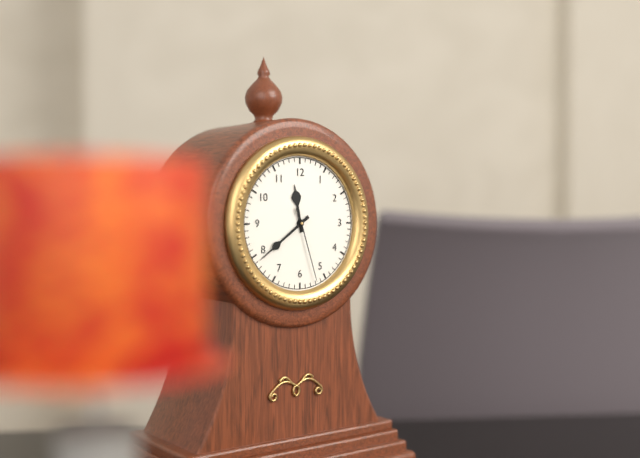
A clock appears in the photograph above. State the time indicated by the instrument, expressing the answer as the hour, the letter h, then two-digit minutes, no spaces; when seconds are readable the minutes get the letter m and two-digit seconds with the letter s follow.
11h39m27s
